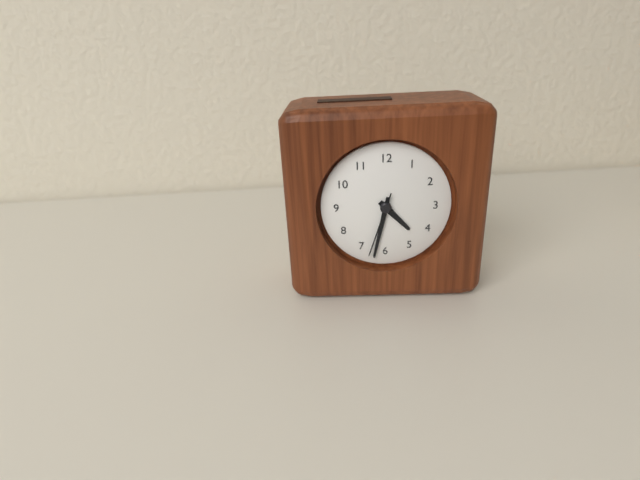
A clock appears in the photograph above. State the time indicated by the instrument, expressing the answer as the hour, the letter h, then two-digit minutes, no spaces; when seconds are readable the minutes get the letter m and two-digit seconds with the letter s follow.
4h32m33s
